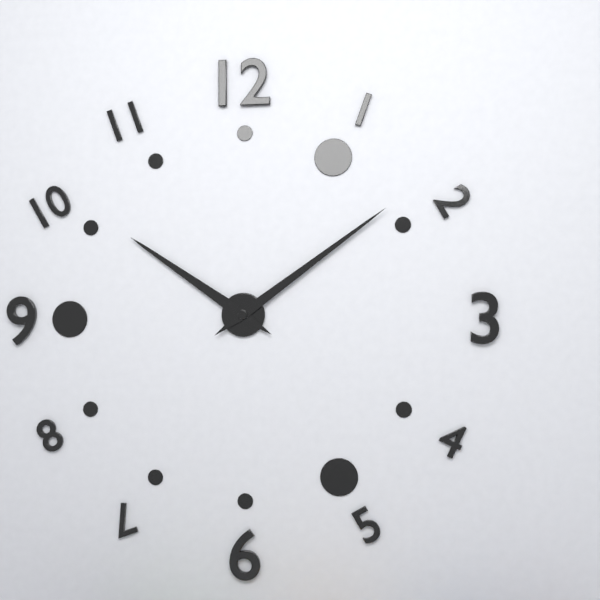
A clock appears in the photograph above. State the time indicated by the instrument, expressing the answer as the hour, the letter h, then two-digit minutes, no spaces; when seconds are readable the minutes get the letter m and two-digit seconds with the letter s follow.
10h09
